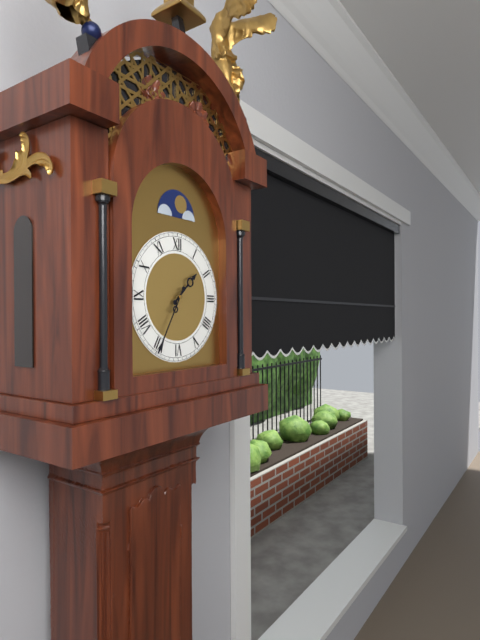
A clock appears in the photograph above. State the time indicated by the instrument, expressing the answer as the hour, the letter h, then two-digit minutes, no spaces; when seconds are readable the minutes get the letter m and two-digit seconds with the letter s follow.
1h35
